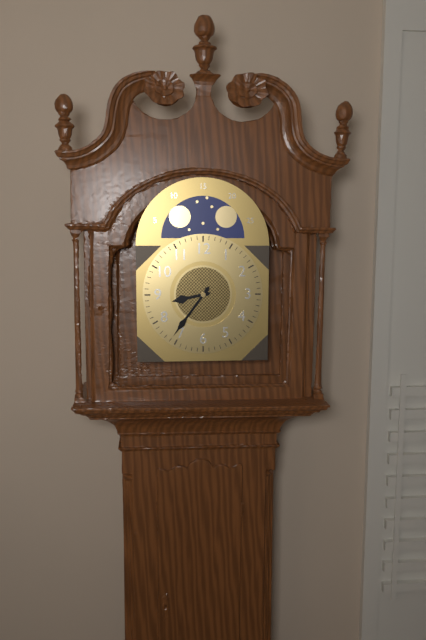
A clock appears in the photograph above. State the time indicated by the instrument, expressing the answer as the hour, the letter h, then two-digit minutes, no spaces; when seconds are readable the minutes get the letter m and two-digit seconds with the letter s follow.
8h36
